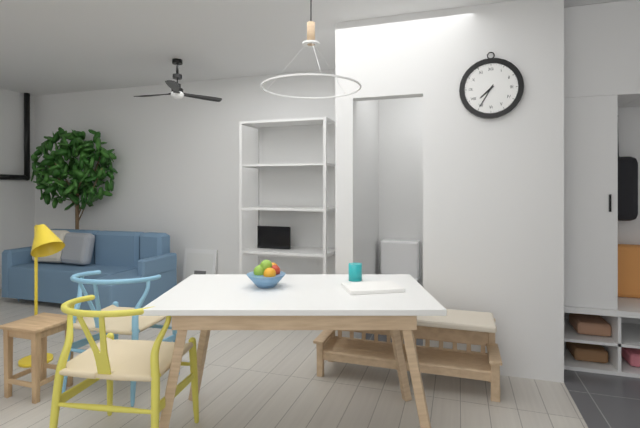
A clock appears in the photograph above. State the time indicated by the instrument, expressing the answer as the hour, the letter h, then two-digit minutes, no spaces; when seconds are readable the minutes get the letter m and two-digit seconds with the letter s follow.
7h35
